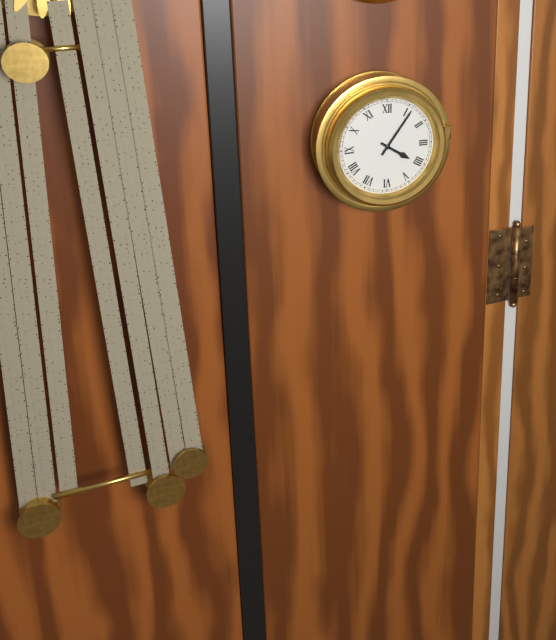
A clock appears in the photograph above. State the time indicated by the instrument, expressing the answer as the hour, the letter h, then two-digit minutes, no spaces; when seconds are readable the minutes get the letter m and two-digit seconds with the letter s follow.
4h06
